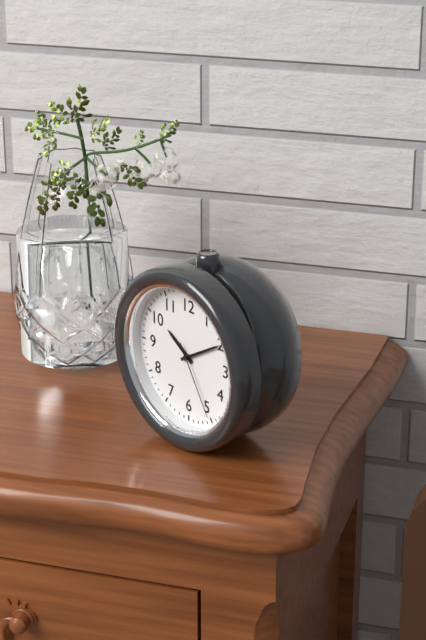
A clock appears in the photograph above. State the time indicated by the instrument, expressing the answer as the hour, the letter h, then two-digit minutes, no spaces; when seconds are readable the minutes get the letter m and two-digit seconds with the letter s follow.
10h10m25s
